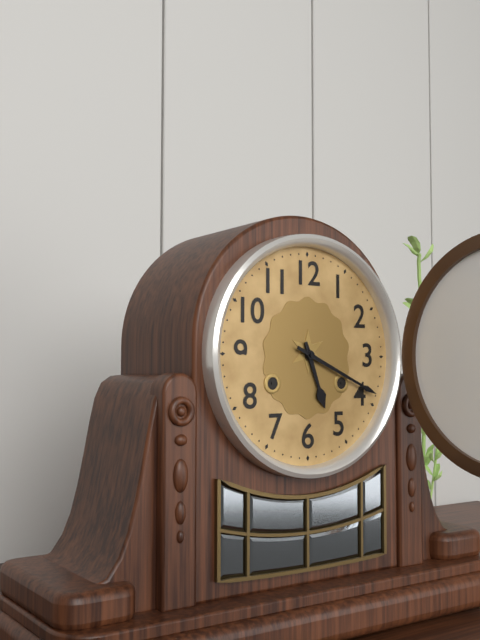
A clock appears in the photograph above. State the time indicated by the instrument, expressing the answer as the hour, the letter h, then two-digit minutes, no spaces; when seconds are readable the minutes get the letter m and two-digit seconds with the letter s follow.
5h19
